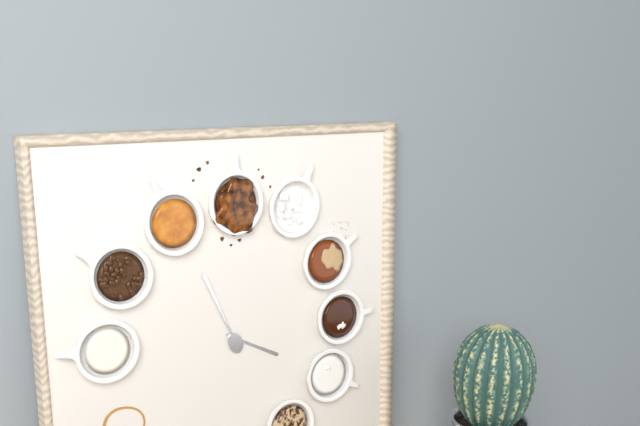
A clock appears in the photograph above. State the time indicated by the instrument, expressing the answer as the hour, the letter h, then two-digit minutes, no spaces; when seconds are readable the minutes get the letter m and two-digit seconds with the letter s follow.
3h56
